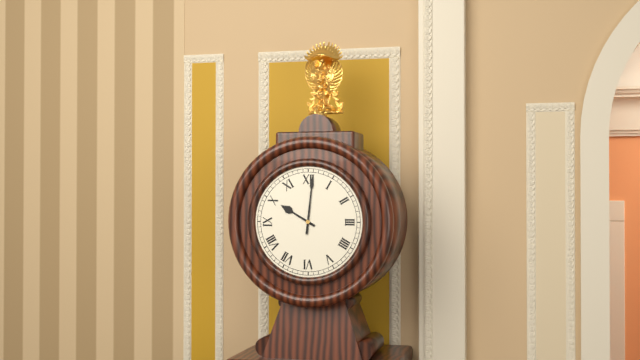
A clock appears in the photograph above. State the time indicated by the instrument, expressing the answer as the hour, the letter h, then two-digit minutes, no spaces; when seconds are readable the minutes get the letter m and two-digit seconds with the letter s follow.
10h01
